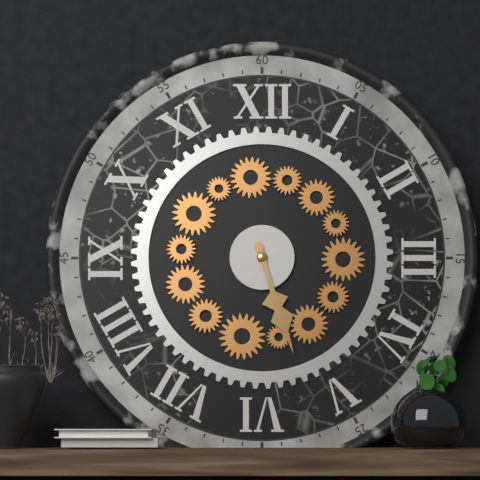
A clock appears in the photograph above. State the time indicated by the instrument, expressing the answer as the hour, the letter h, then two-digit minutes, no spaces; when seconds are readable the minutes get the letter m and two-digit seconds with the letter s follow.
5h27
